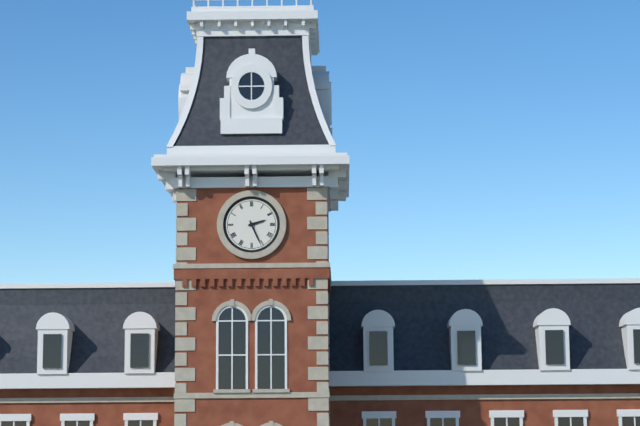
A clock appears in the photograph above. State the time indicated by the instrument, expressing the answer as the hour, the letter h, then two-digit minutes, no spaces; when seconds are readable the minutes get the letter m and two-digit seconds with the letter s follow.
2h26
